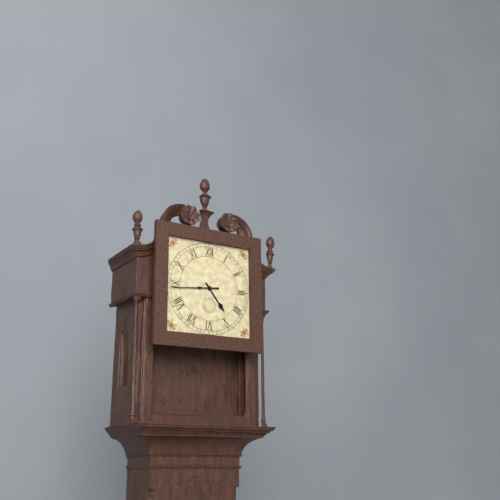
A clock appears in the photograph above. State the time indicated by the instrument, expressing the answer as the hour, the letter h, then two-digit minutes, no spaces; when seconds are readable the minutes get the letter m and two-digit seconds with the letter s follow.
4h44
